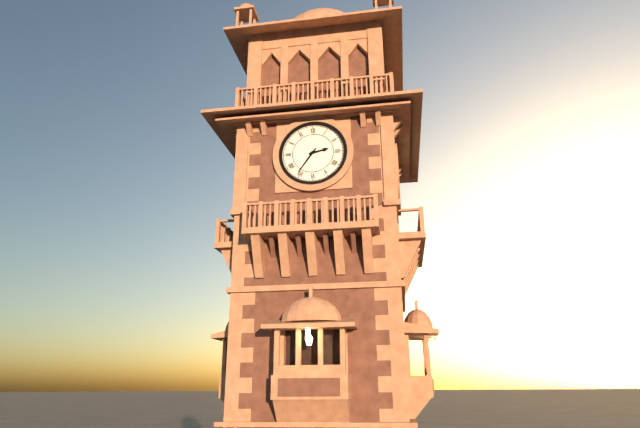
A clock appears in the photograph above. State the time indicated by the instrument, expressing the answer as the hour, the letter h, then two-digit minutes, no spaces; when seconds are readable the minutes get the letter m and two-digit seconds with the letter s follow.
2h36
